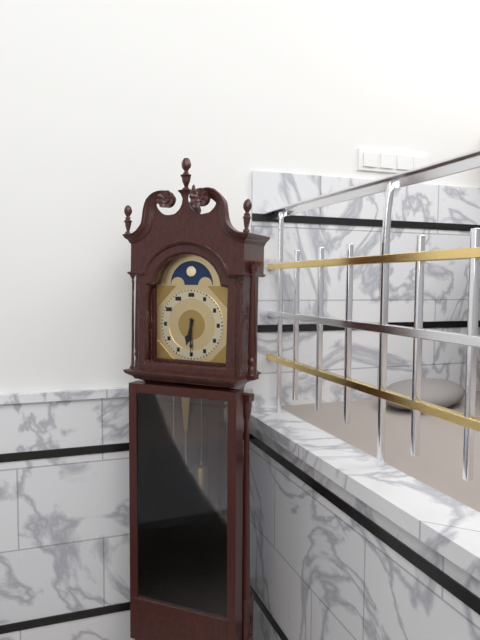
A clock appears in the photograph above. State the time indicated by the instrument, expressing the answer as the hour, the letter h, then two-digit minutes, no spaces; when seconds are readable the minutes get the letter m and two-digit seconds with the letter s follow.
6h30
